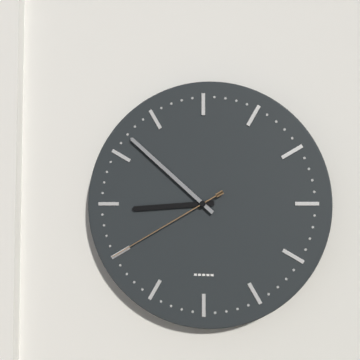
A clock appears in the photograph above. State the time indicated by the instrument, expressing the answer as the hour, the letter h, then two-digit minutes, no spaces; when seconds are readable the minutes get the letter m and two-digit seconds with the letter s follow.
8h52m40s
